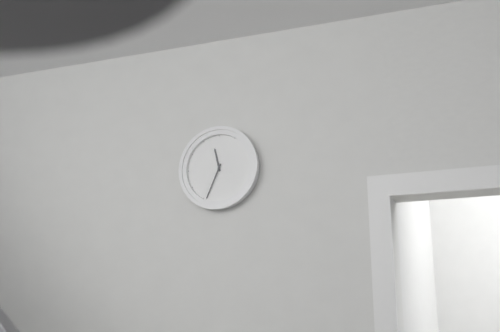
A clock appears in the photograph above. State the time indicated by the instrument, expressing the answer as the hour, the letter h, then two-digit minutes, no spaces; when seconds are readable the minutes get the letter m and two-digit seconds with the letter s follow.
11h34
